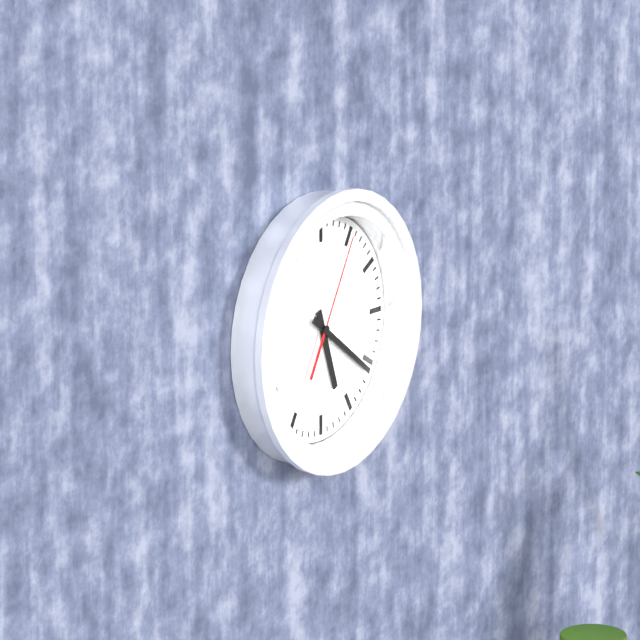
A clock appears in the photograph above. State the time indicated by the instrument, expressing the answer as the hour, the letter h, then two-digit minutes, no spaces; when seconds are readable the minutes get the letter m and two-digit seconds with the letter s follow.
5h21m05s
